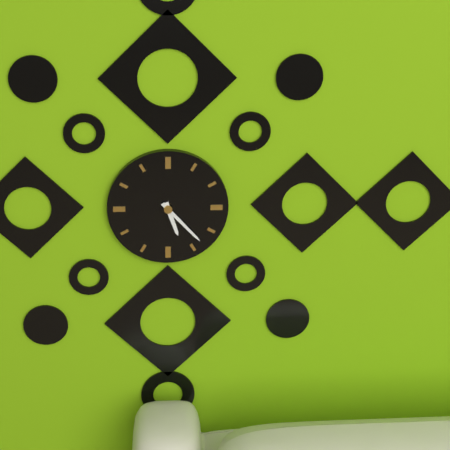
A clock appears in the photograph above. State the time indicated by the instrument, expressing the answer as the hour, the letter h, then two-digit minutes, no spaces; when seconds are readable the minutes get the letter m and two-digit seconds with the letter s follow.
5h23
